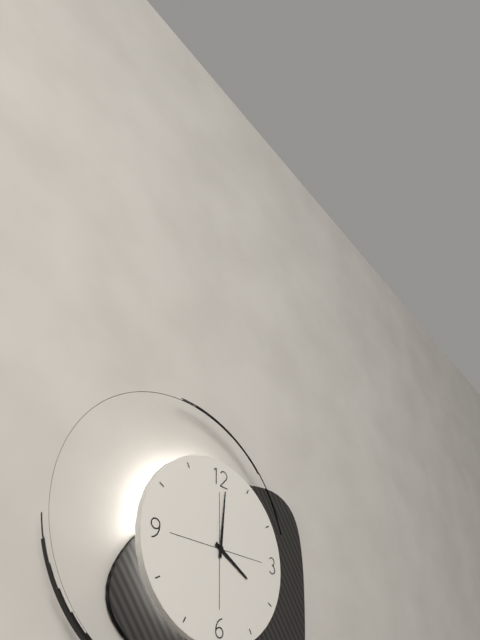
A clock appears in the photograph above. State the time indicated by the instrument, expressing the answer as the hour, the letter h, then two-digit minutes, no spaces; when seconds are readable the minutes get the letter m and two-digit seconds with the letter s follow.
4h01
